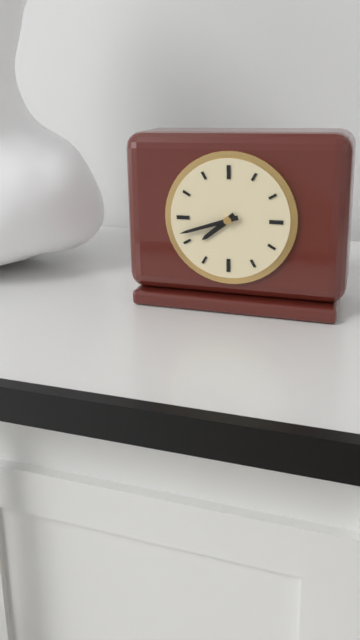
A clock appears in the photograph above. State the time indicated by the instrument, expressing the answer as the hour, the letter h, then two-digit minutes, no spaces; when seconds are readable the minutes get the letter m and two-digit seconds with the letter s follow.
7h42
